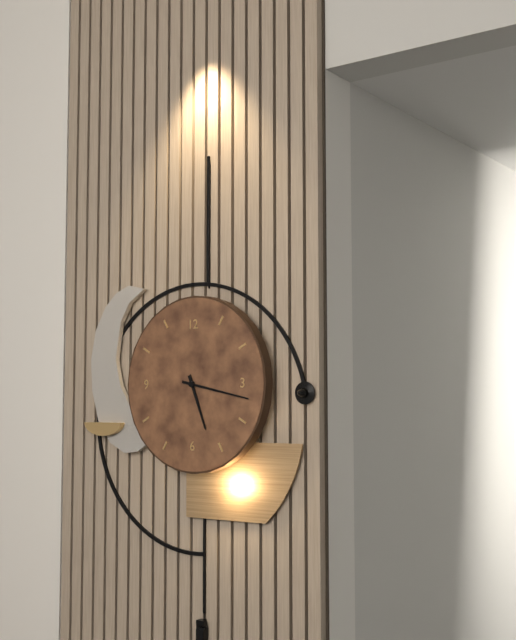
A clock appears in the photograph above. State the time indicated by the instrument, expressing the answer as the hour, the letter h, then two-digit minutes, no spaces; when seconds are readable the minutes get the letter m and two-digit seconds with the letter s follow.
5h17
